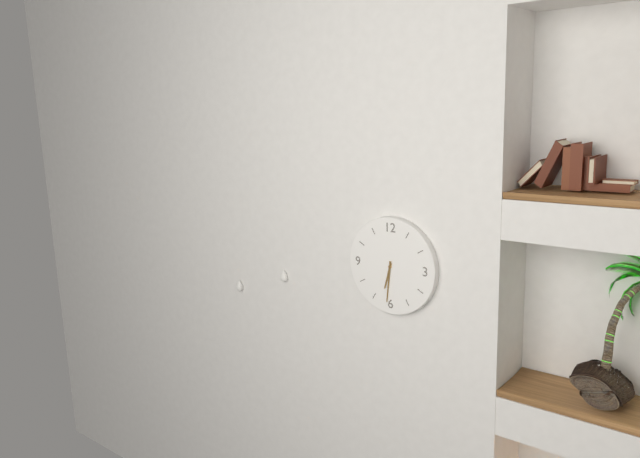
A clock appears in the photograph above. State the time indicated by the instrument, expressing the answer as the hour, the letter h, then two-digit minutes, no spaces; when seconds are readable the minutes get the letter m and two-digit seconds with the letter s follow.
6h31
